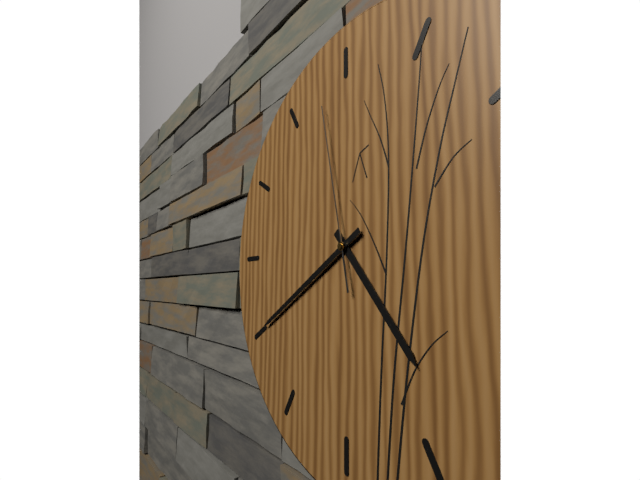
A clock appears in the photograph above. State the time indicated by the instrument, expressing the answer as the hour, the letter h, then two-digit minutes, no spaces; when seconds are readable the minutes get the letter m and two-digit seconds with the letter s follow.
4h40m58s
